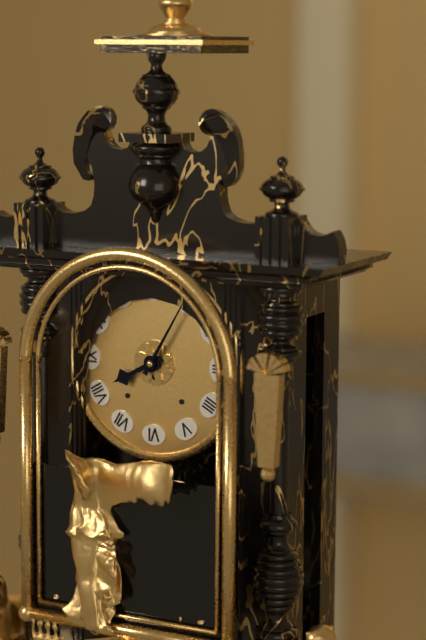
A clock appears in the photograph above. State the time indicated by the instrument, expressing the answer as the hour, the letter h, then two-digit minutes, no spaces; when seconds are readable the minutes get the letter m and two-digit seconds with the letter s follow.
8h05
